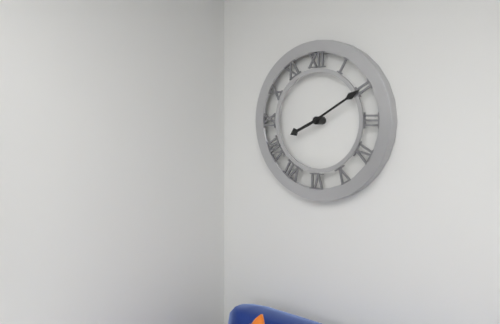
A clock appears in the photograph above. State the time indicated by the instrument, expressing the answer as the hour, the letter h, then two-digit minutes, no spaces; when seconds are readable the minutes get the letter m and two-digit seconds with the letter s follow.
8h10
